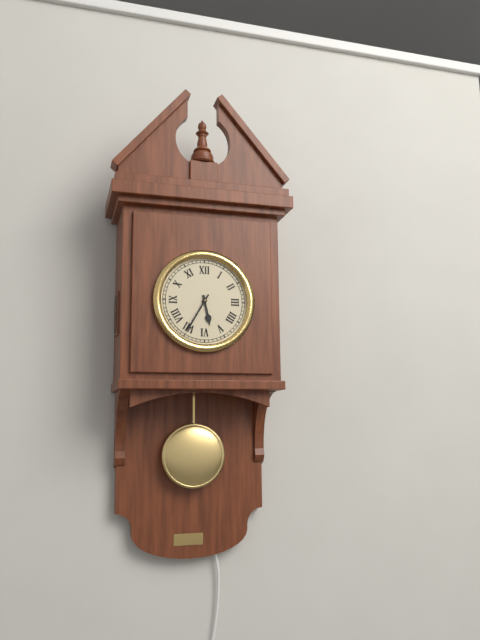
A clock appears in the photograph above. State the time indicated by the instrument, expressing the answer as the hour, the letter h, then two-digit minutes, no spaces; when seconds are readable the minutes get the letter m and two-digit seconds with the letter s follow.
5h35
